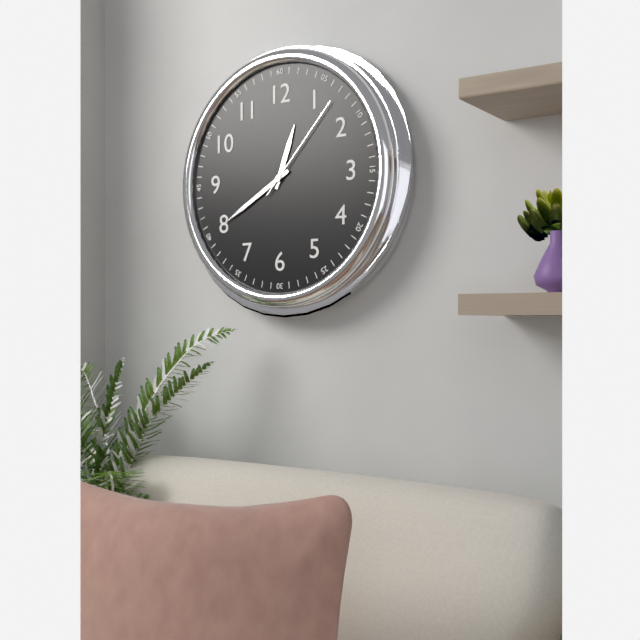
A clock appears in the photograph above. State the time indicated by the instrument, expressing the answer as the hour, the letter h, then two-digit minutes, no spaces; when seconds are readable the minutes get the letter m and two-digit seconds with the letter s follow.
12h40m07s
